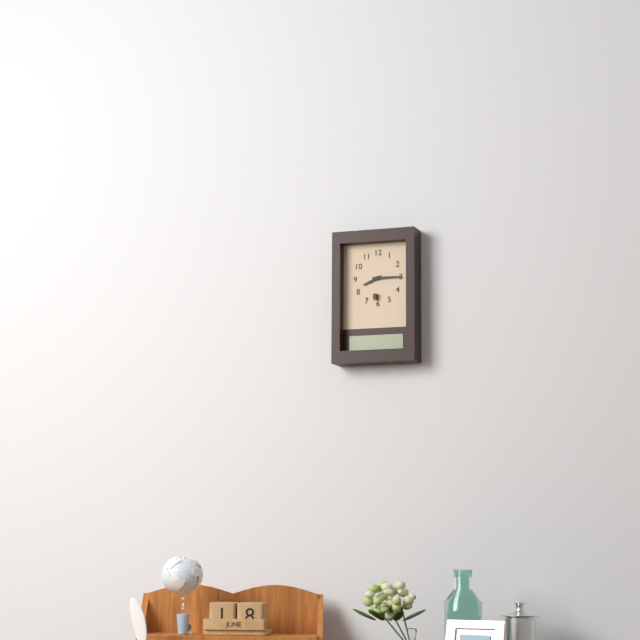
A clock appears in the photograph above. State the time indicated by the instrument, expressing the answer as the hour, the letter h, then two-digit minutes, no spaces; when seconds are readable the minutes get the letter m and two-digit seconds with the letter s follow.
8h15
